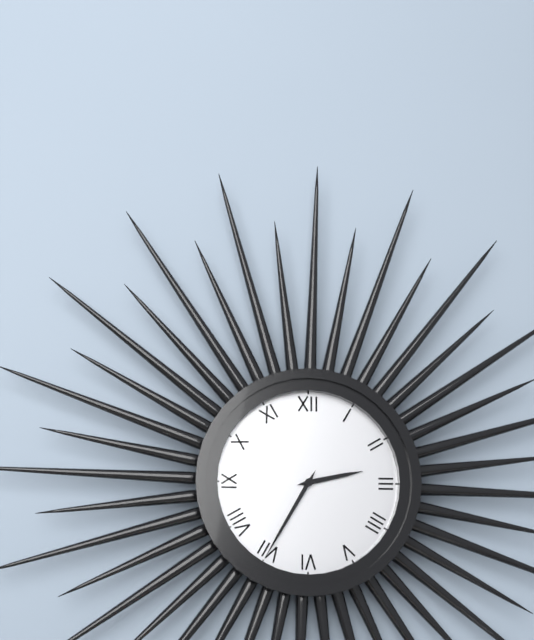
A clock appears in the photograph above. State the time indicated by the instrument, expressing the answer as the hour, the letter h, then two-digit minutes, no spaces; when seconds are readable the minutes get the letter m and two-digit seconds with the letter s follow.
2h35
